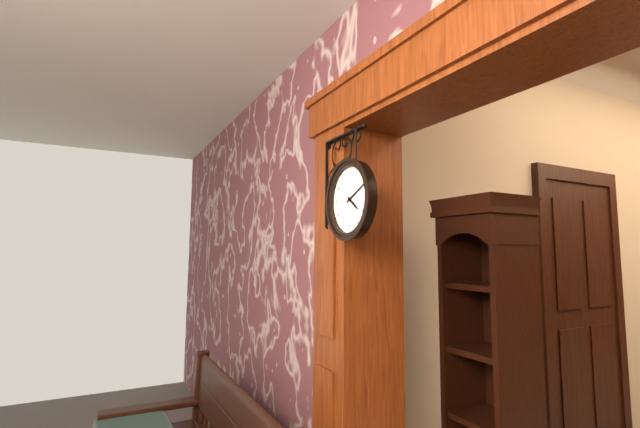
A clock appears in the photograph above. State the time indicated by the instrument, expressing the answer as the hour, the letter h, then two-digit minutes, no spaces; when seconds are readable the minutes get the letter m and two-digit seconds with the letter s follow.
4h11
